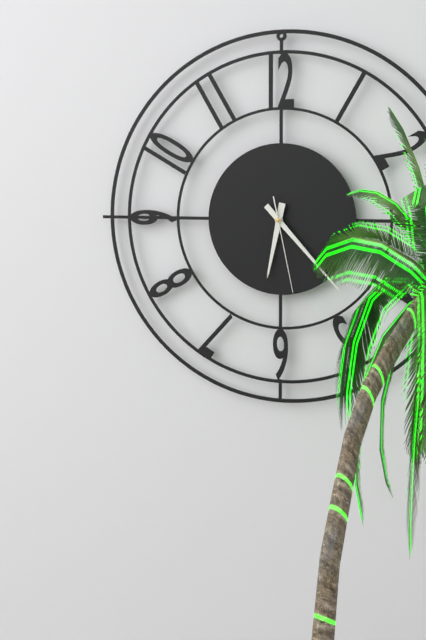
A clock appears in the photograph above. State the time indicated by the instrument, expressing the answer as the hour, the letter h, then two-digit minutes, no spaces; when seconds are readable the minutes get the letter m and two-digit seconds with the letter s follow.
6h23m28s
